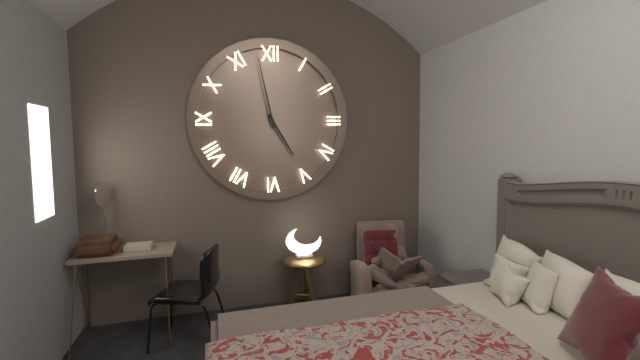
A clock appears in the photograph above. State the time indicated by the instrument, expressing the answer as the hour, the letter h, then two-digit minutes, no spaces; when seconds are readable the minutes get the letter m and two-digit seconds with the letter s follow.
4h58
